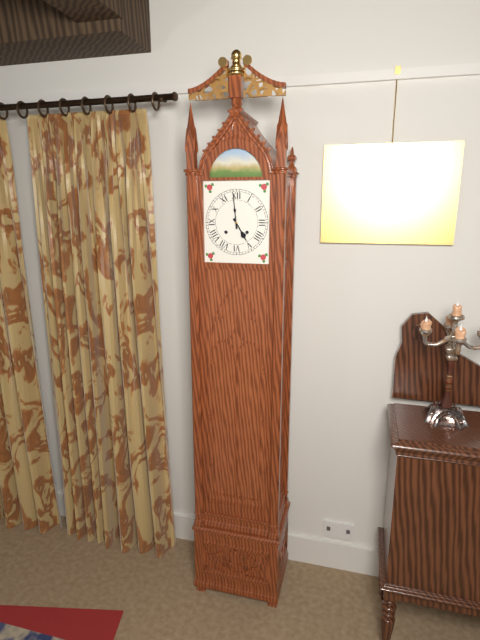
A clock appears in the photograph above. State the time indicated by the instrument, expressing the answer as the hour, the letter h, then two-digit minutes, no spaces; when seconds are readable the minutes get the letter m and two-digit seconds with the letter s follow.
4h59
